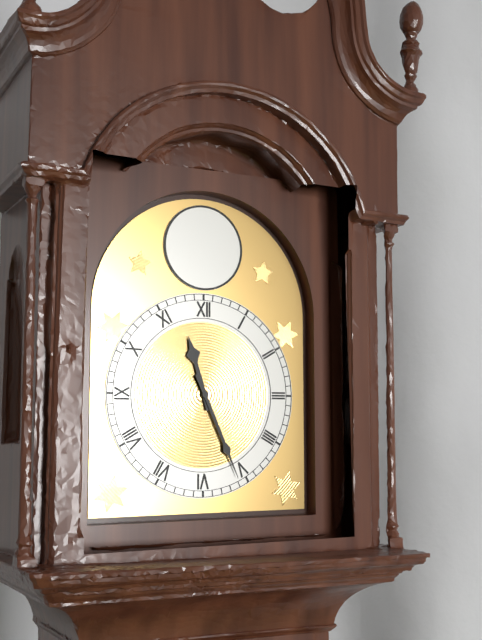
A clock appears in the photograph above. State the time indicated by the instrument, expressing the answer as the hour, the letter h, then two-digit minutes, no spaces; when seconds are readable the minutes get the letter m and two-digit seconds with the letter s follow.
11h26
